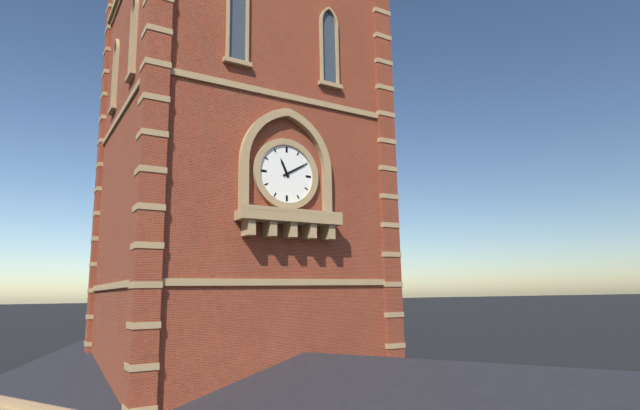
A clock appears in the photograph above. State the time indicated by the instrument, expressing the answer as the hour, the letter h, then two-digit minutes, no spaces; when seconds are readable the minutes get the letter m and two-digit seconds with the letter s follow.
11h10
